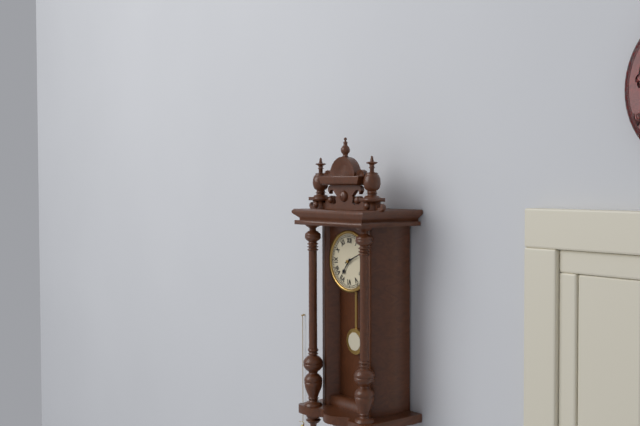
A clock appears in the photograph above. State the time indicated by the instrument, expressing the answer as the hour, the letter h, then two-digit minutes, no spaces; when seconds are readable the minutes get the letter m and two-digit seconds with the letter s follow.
7h11
